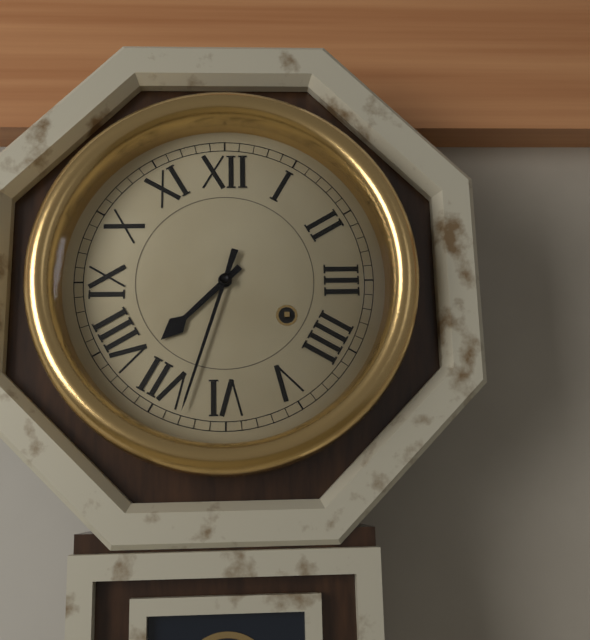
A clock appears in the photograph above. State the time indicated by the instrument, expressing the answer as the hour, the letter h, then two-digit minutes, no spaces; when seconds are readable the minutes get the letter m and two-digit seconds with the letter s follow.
7h33
